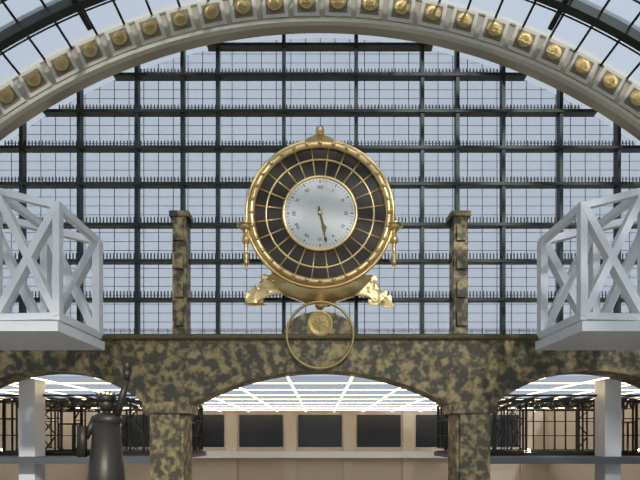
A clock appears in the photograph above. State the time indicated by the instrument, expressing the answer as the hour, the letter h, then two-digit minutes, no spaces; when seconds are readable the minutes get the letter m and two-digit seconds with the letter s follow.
5h28
